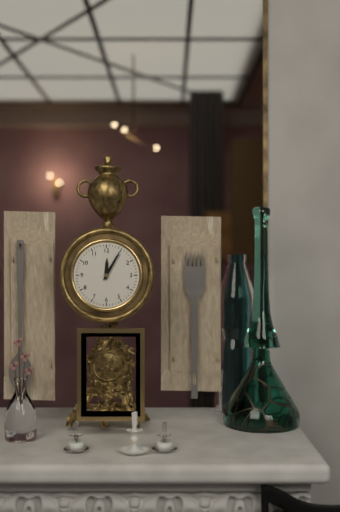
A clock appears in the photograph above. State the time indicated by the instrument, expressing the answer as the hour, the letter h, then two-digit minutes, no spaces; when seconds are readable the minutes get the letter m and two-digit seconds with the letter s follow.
12h05
